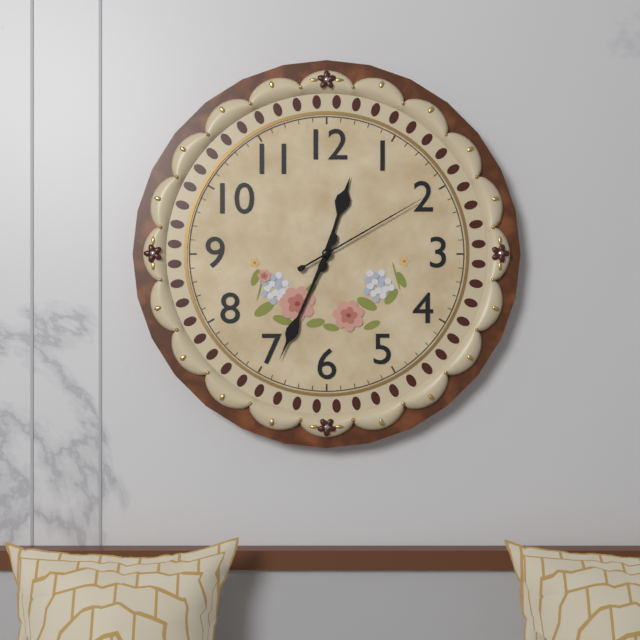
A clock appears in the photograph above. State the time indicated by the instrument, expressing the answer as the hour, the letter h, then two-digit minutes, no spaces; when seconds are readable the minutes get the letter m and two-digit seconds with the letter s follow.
12h34m10s
